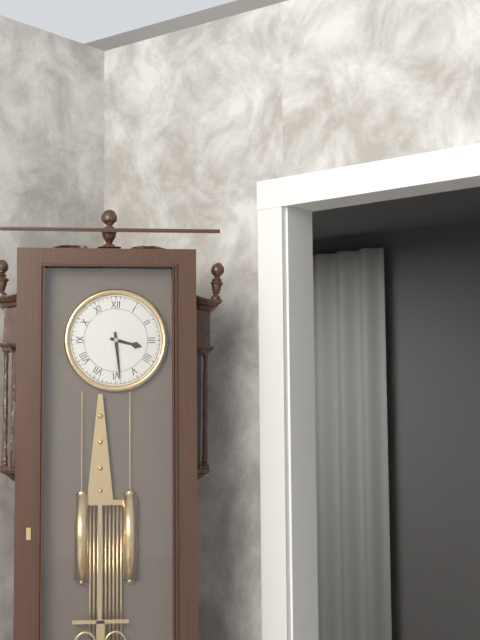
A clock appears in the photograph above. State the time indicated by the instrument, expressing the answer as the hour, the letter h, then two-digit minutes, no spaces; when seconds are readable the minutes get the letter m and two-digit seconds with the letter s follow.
3h29
